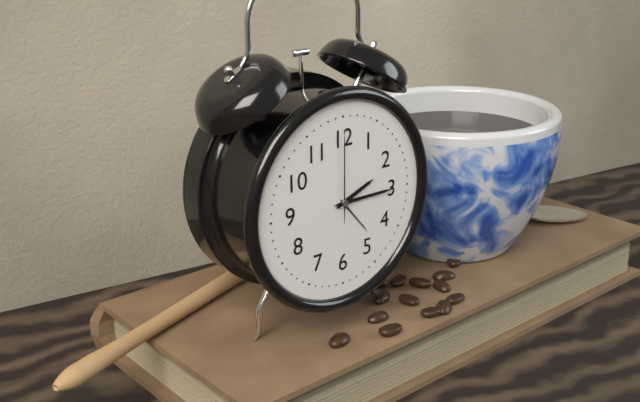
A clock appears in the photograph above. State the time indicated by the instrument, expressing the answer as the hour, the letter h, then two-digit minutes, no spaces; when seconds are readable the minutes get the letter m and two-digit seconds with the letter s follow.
2h15m00s
